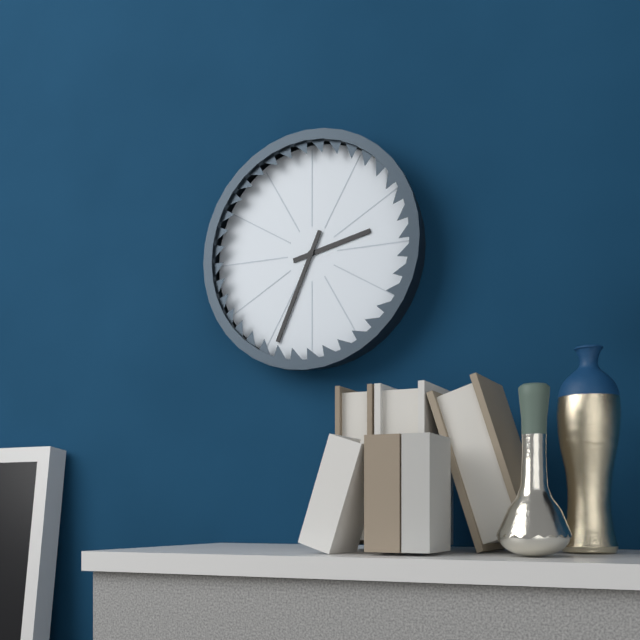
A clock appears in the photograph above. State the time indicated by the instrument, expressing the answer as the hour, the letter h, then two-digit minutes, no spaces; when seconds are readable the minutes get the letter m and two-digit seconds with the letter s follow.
2h34
